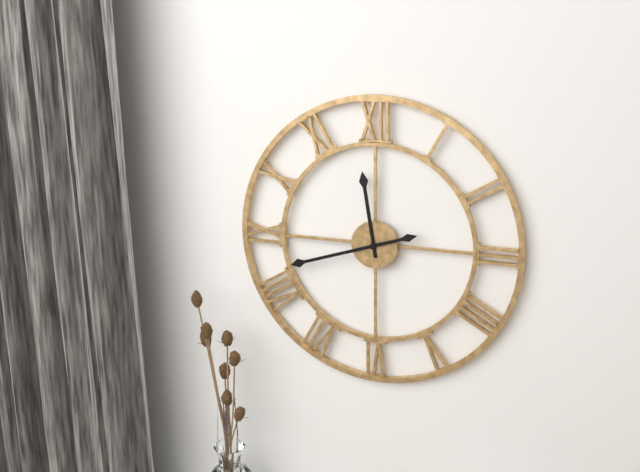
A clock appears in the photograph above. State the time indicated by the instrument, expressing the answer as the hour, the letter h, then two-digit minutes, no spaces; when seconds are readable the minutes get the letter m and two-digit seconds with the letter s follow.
11h42
